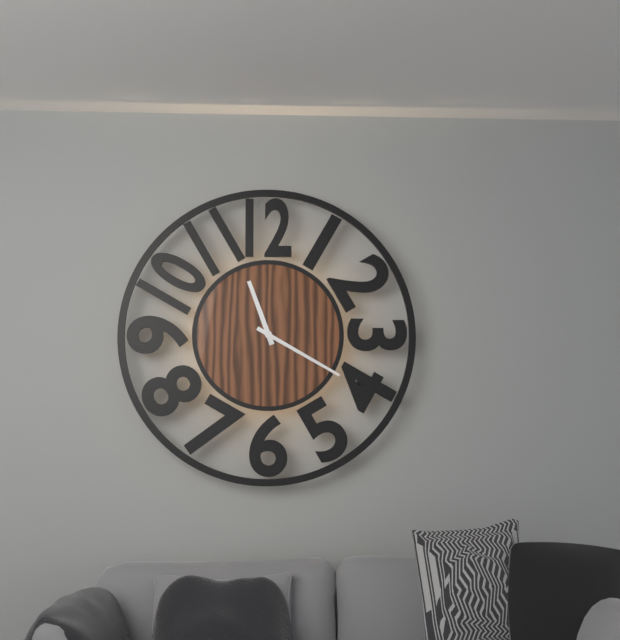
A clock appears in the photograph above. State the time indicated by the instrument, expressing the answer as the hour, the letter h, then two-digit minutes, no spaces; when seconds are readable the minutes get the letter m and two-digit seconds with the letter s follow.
11h20
